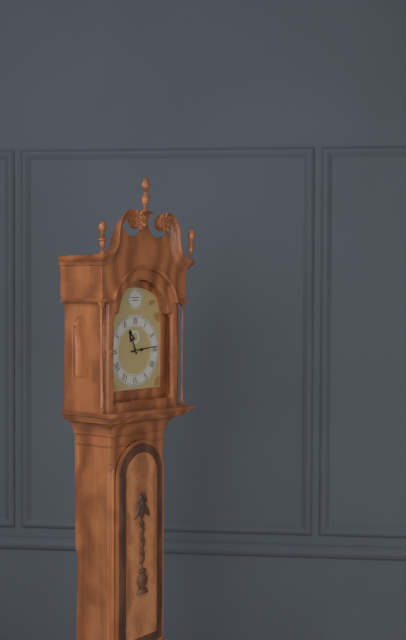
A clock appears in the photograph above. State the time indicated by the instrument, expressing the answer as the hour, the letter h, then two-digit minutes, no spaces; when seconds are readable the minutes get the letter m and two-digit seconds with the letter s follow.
11h14
